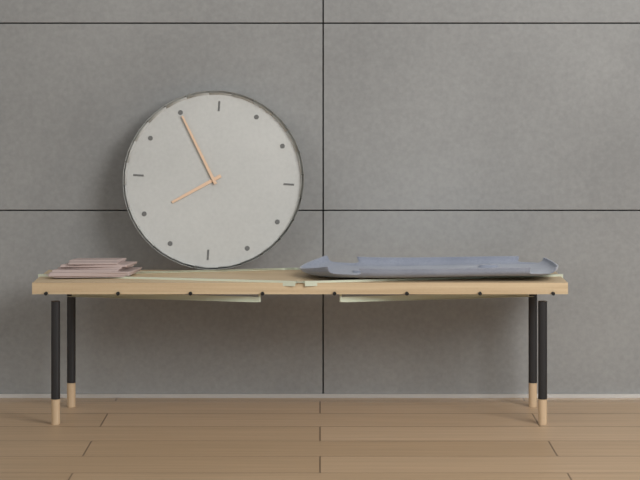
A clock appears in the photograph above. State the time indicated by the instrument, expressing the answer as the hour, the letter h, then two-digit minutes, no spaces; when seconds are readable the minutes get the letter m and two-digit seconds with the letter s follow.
7h55
